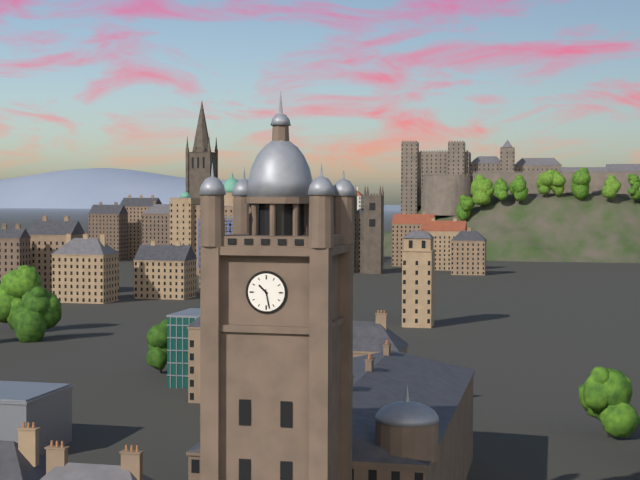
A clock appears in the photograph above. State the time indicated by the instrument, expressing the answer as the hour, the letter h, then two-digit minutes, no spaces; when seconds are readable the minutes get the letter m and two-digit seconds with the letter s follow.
10h28
